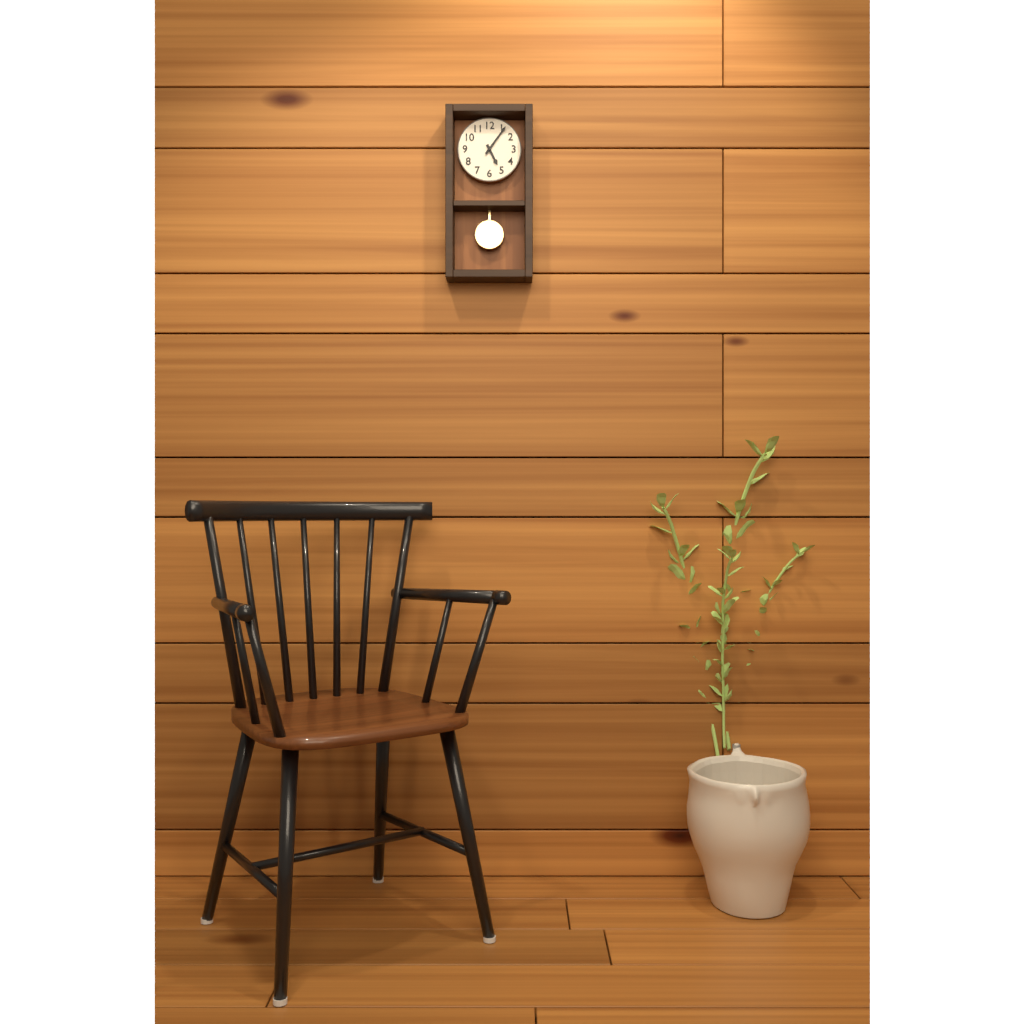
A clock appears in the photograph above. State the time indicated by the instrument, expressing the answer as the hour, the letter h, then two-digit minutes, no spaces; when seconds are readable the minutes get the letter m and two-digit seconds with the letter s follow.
5h06
